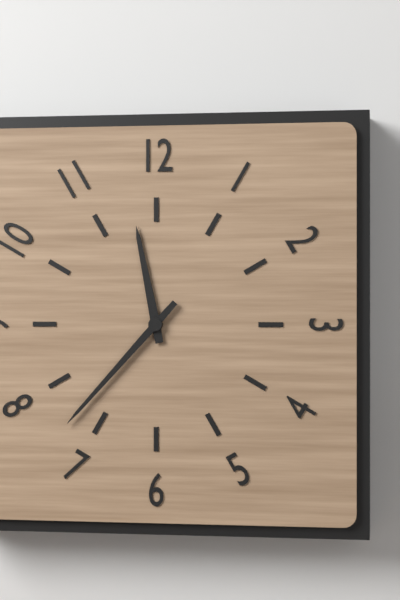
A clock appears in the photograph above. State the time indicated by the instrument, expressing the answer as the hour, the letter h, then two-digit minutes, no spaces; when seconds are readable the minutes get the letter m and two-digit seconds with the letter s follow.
11h37
